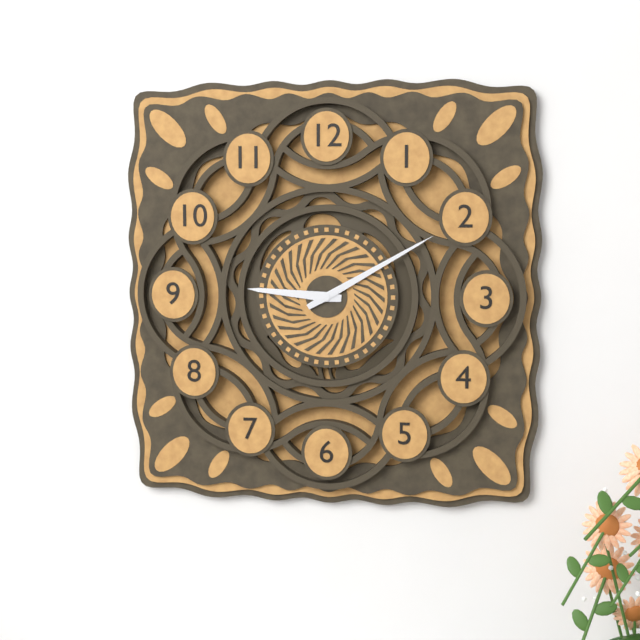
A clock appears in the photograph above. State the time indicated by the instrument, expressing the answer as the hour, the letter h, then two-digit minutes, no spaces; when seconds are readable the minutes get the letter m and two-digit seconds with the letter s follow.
9h10
